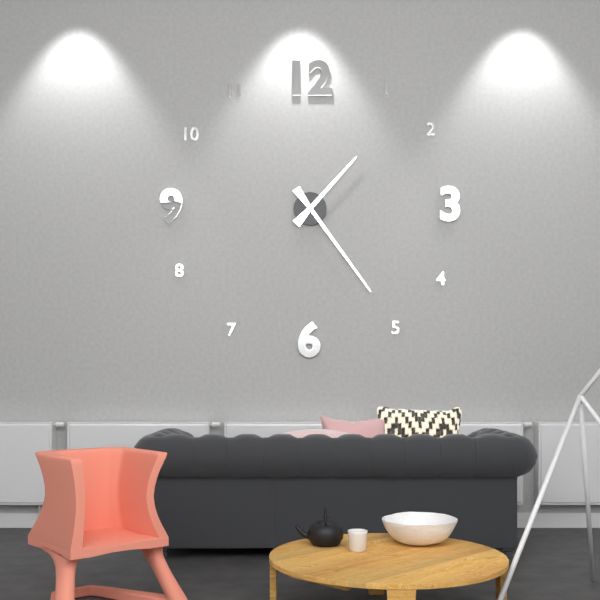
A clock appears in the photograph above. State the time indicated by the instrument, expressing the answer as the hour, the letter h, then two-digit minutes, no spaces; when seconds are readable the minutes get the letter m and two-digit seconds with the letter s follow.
1h24
